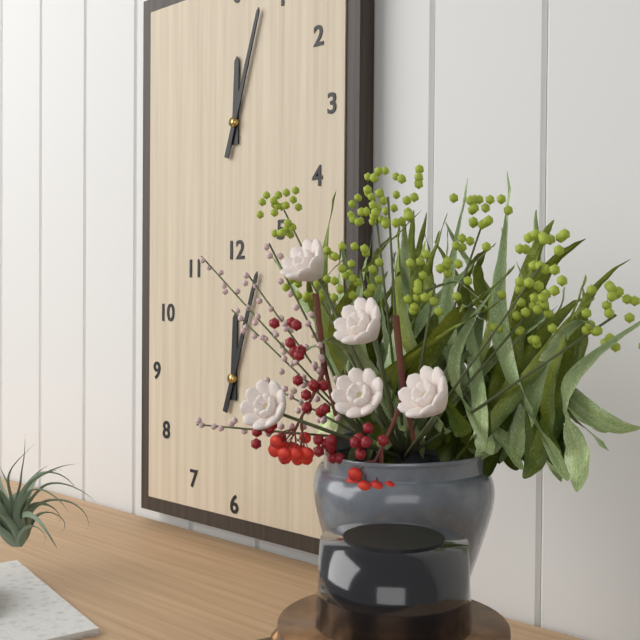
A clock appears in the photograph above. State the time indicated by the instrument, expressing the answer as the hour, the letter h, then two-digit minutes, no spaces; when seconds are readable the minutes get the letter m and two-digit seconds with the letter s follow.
12h03
